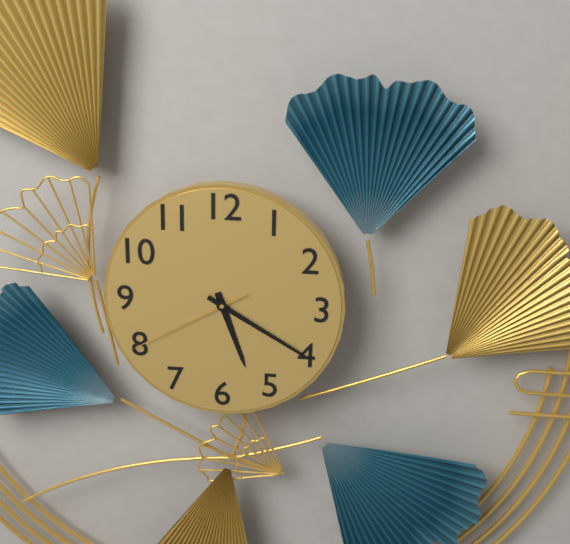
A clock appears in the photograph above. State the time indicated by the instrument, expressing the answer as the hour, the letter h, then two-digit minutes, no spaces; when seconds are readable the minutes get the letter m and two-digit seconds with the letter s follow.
5h20m40s
